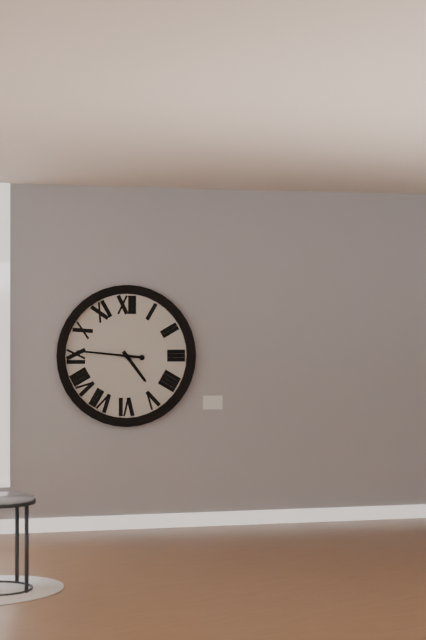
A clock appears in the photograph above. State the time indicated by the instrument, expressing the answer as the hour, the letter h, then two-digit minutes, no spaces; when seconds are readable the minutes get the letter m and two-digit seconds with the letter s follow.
4h46
